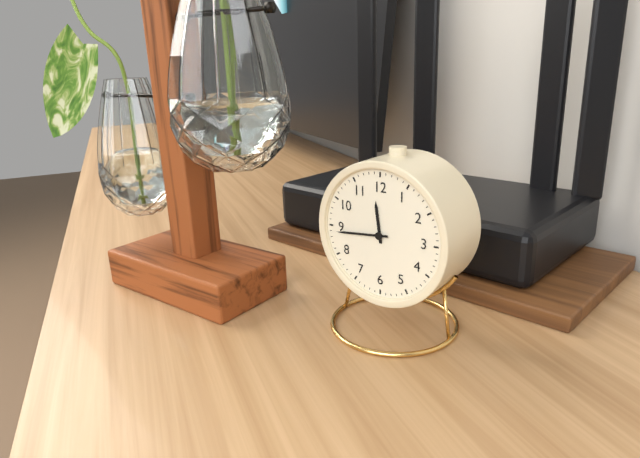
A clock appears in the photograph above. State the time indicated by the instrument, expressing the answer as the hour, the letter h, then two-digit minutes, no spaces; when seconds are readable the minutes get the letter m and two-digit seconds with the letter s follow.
11h44
